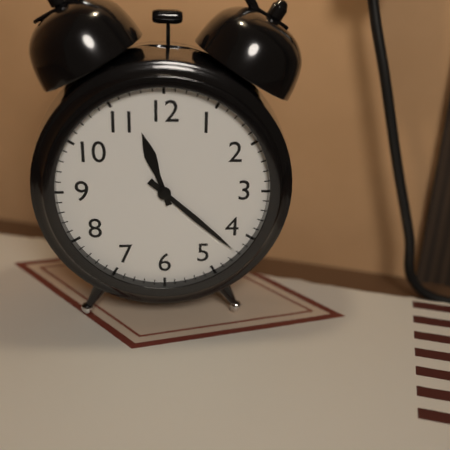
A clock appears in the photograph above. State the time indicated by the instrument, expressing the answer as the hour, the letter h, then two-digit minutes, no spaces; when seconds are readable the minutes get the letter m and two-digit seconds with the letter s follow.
11h22
